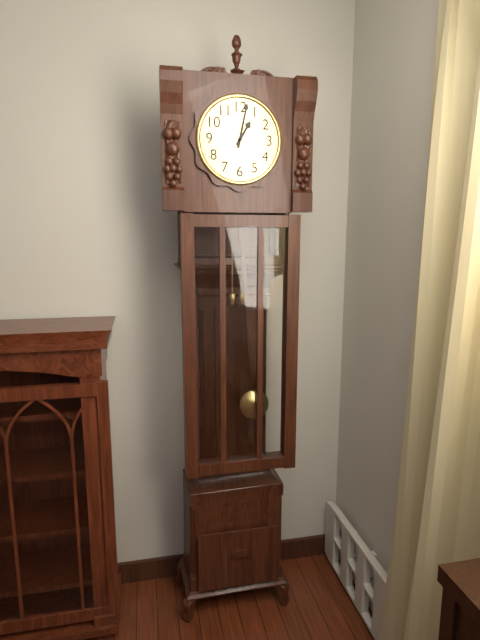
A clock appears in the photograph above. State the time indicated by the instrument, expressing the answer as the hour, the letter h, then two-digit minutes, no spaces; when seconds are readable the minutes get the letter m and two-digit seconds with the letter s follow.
1h02
